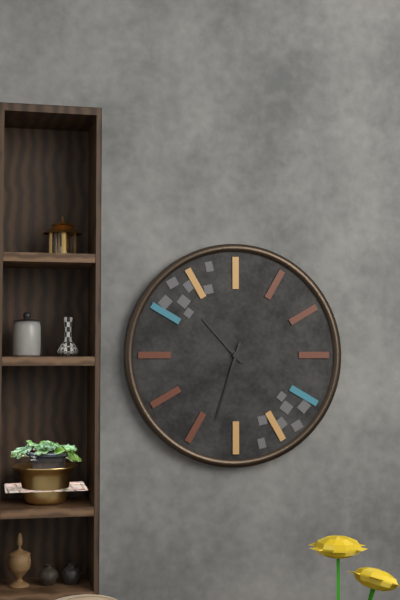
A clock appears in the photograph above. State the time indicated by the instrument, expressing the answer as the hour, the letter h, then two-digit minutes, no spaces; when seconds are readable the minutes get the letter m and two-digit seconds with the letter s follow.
10h33
